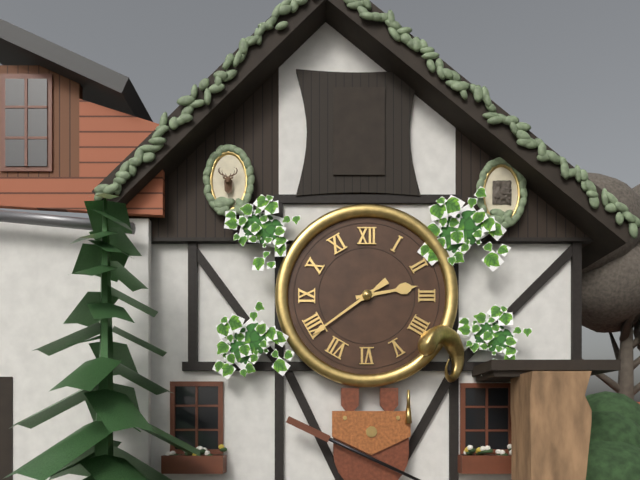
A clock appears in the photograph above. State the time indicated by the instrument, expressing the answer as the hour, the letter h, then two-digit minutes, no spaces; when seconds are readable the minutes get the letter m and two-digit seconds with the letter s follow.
2h39
